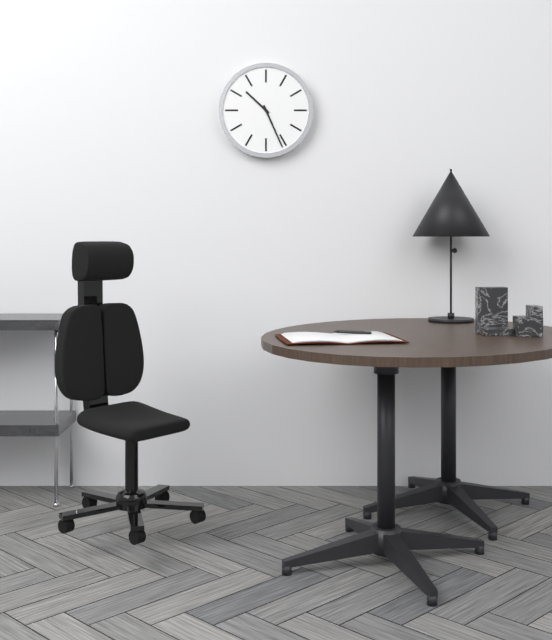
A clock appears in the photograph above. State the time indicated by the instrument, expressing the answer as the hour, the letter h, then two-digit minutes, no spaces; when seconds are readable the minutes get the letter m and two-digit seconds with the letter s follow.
10h26
